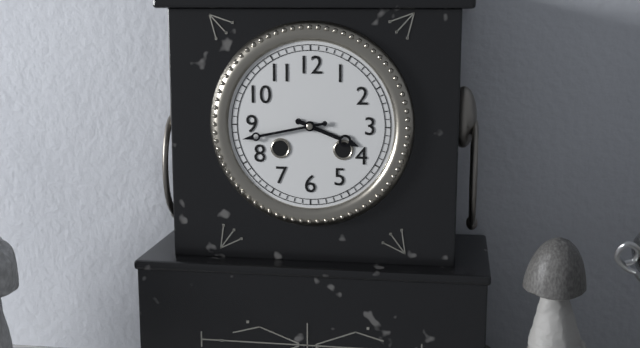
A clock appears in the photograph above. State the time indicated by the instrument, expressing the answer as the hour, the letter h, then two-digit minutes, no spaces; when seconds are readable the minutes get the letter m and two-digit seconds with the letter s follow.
3h43
